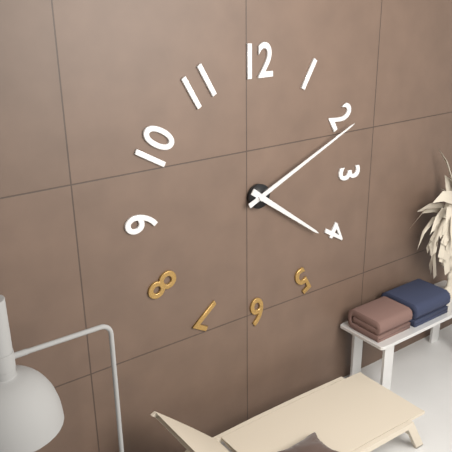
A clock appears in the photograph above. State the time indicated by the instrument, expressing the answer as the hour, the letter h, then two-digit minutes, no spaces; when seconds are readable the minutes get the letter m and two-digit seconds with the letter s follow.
4h11
